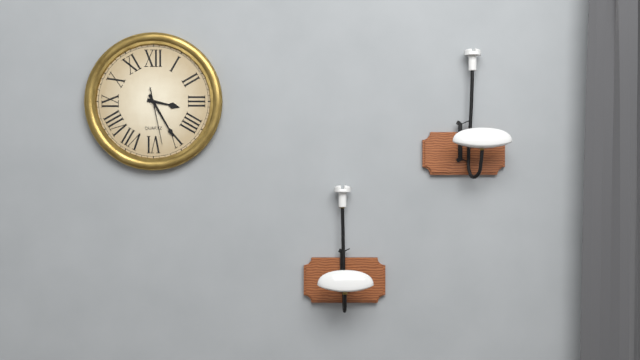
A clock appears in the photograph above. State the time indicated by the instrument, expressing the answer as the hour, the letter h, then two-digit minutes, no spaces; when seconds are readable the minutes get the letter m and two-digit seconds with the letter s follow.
3h25m28s
